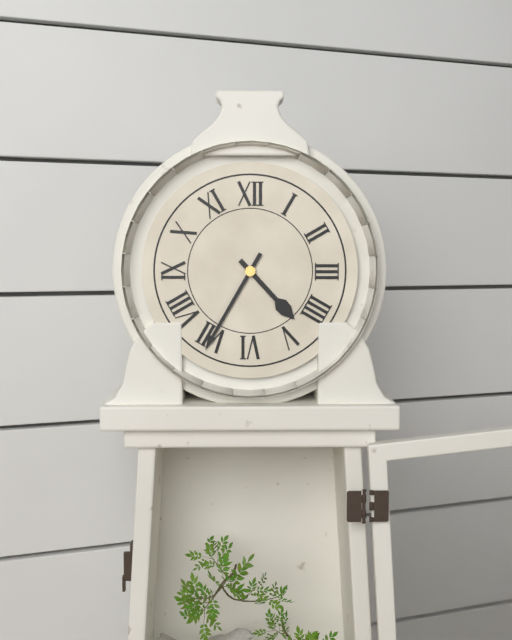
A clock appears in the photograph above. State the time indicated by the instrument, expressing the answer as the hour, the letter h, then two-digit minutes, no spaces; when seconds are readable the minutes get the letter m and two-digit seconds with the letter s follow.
4h35
